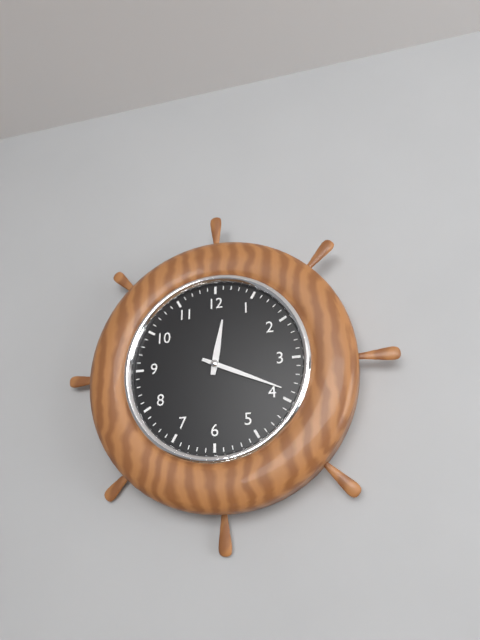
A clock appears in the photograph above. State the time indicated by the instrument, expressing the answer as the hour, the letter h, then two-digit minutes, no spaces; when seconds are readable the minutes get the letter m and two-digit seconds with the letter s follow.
12h19
